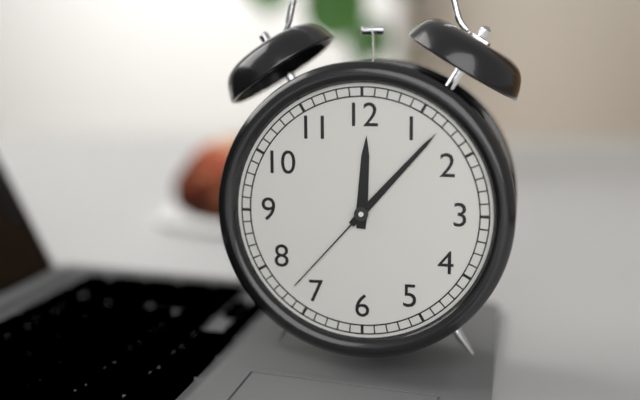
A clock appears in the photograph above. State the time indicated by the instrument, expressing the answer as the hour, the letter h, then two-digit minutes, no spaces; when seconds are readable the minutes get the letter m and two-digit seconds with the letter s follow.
12h07m37s
